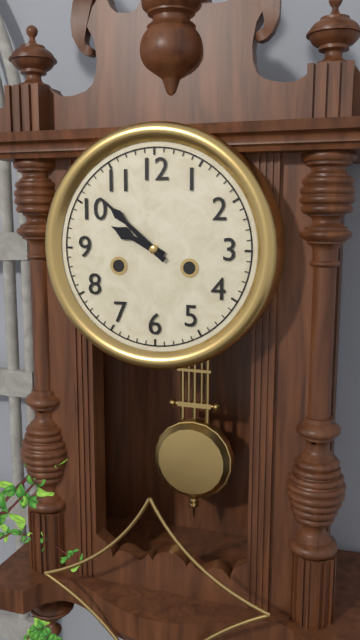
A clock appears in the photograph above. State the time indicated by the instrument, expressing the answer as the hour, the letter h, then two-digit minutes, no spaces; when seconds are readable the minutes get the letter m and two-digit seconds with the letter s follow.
9h52
